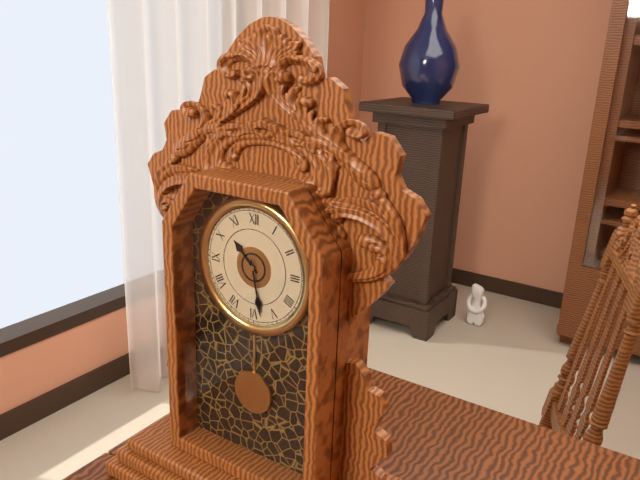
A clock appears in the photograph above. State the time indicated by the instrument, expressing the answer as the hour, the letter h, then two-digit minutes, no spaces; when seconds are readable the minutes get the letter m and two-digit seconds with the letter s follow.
10h28
